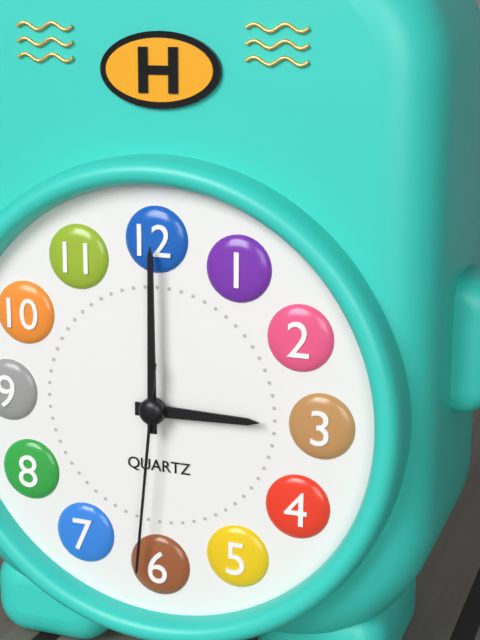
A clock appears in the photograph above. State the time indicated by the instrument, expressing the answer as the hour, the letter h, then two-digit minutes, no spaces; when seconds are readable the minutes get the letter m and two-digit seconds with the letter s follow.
3h00m31s
